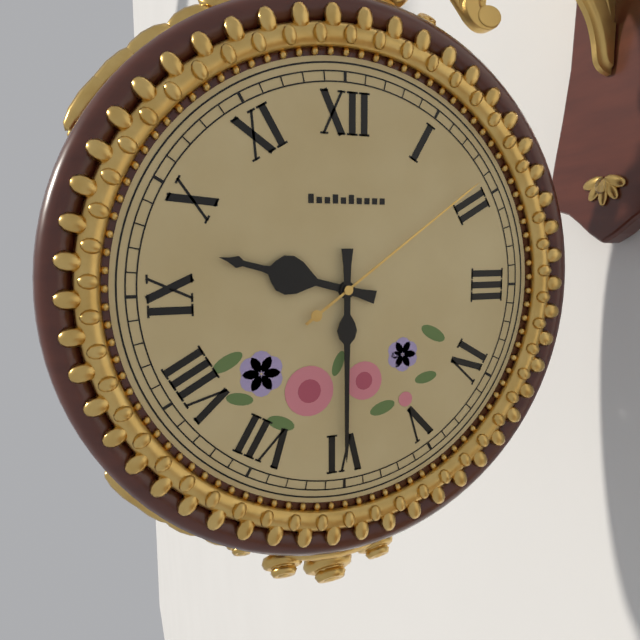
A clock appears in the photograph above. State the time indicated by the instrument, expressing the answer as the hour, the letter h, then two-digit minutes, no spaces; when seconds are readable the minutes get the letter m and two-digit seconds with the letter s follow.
9h30m09s
